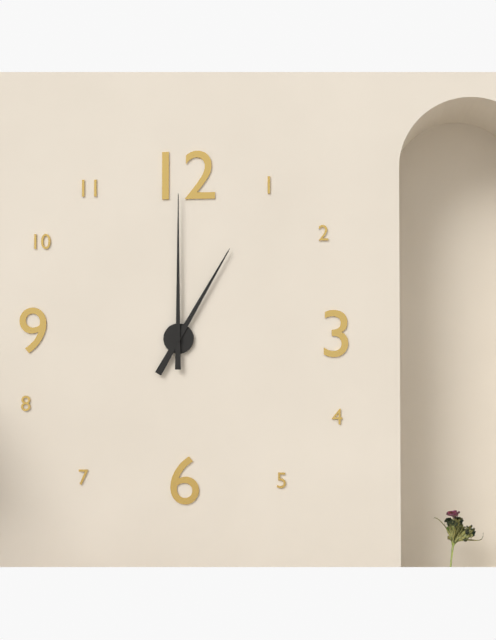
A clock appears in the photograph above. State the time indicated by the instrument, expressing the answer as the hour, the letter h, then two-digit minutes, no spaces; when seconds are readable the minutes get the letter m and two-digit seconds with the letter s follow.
1h00
